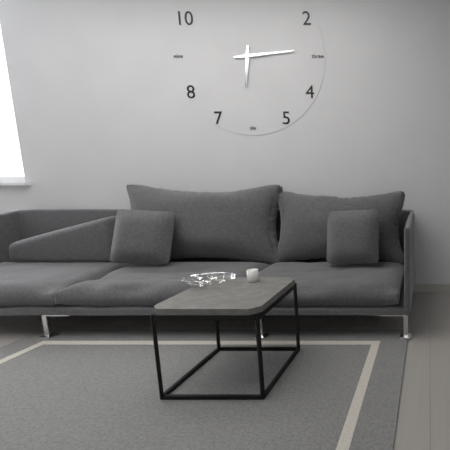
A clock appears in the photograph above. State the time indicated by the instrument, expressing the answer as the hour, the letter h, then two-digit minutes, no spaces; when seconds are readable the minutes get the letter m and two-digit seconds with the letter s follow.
6h14
